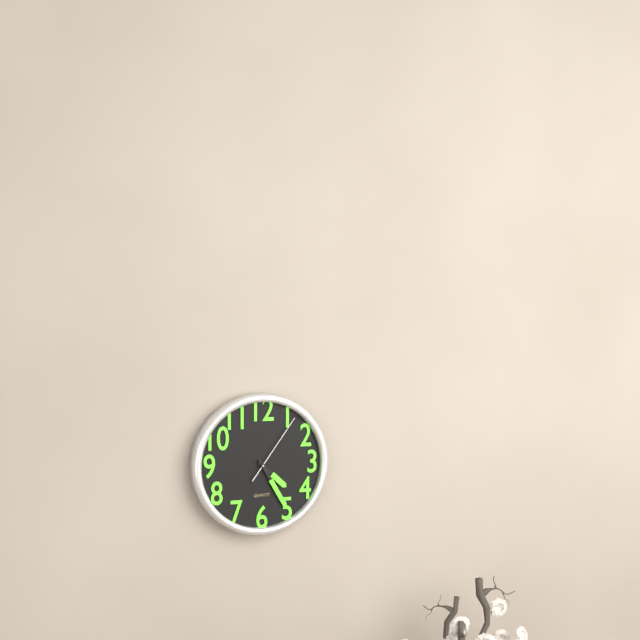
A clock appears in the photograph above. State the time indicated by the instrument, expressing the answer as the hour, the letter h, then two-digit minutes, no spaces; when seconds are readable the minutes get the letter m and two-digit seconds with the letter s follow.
4h25m06s
